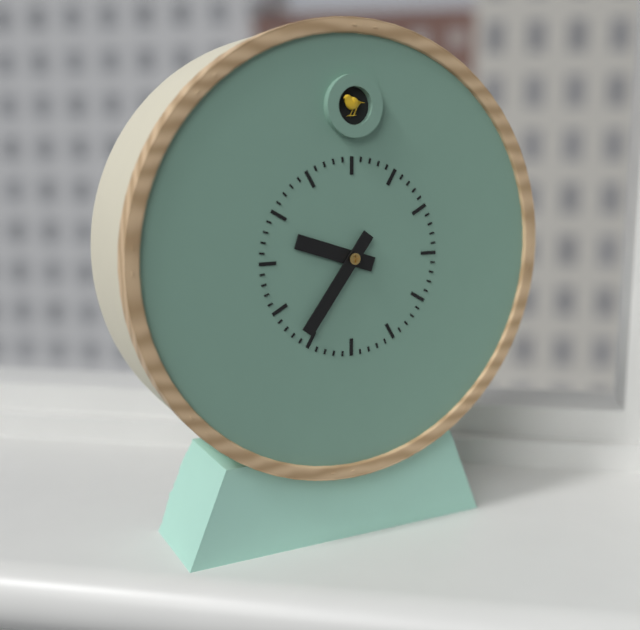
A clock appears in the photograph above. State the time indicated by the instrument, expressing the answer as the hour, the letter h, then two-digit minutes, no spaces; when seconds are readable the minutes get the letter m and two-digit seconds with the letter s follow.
9h36
